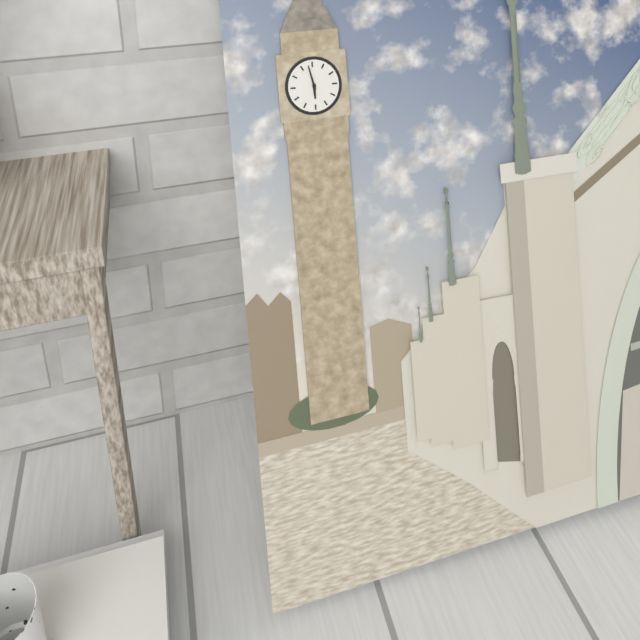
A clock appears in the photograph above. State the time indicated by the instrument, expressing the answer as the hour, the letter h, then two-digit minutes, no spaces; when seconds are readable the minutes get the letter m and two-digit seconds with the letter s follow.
5h58
